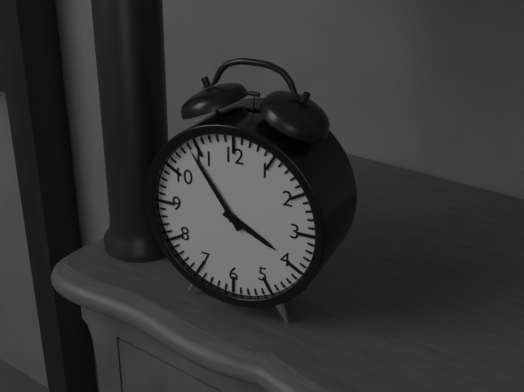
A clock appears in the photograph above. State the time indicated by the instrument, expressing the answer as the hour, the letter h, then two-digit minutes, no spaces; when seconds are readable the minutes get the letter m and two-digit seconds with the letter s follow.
3h54
